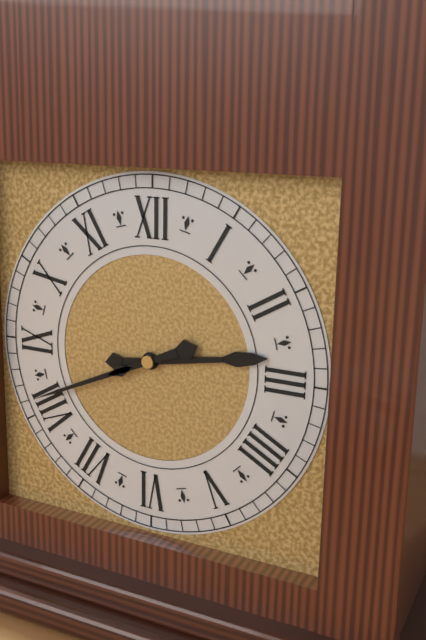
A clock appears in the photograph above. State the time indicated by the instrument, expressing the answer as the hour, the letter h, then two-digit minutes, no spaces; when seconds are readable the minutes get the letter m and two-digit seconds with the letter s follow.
2h41
